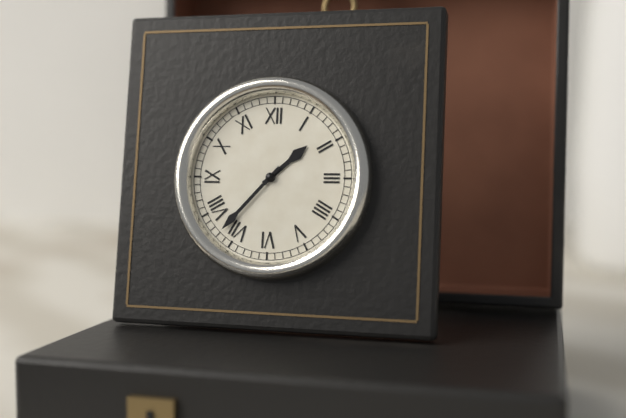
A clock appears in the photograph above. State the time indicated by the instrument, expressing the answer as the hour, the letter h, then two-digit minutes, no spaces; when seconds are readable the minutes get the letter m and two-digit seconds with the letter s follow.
1h37
